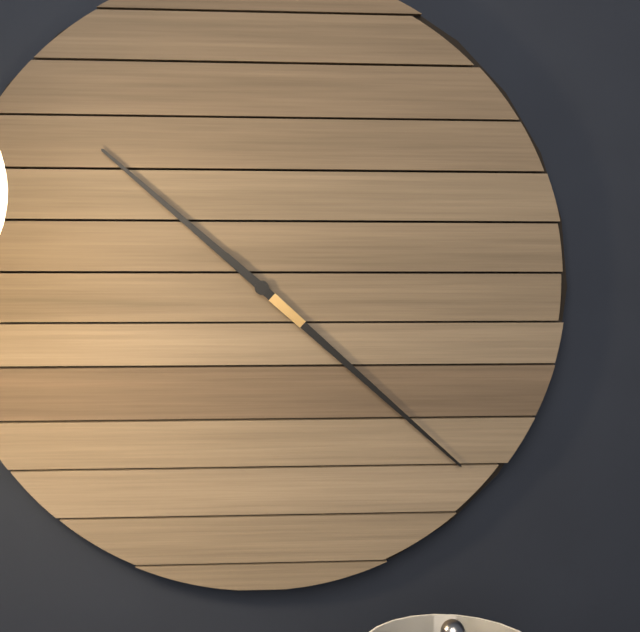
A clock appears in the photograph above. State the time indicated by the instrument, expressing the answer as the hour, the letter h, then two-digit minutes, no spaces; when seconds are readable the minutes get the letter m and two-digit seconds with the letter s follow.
10h22
